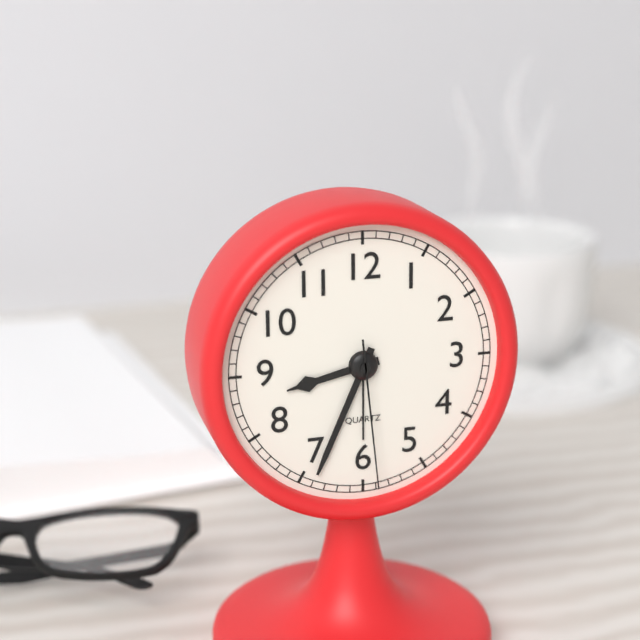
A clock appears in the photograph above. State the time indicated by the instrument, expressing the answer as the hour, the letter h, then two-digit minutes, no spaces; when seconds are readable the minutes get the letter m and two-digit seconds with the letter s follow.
8h34m29s
